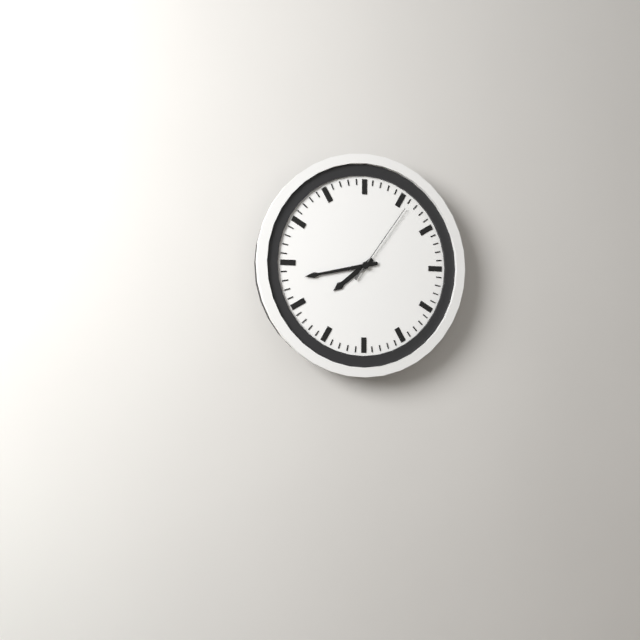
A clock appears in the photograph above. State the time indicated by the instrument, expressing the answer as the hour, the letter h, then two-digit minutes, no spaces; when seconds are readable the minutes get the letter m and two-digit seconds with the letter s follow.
7h43m06s
